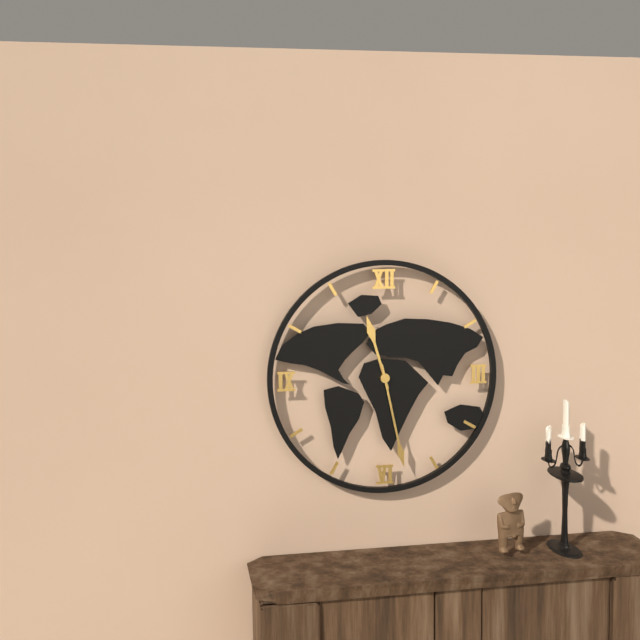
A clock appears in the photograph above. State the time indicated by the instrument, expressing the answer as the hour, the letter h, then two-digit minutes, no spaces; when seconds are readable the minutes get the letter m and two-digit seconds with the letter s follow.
11h28
